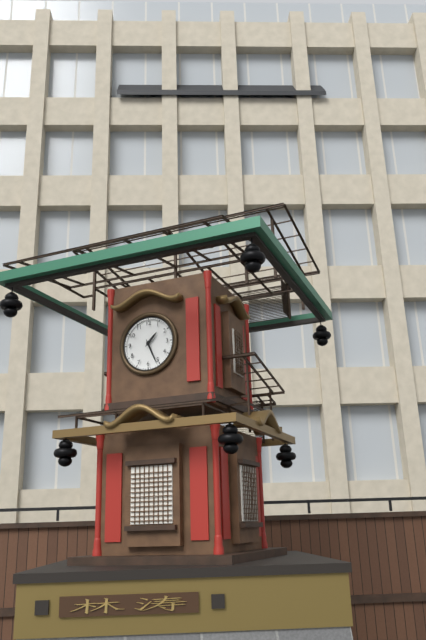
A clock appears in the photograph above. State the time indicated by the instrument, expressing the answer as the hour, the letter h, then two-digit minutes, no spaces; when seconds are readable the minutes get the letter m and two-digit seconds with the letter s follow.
1h26
